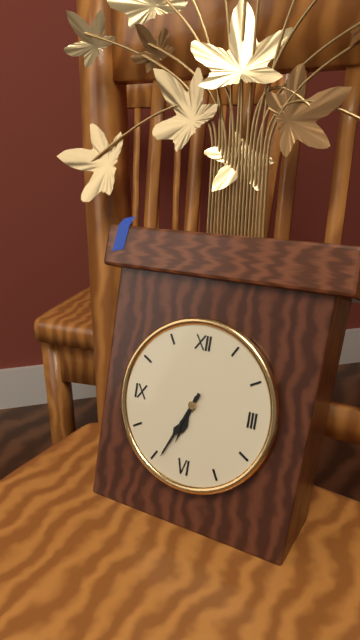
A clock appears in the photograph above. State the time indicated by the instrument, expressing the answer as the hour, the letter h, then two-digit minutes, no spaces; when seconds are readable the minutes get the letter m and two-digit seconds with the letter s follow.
6h34
